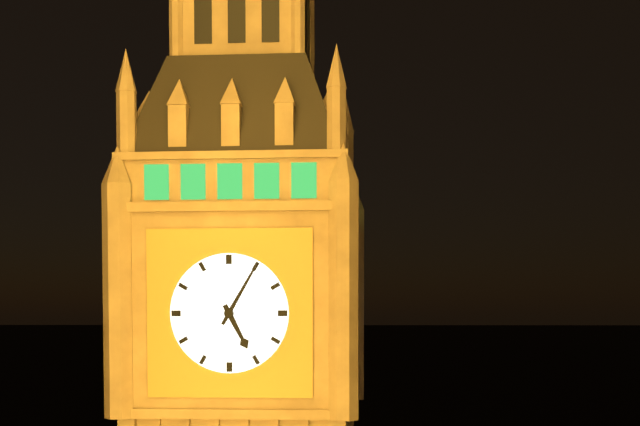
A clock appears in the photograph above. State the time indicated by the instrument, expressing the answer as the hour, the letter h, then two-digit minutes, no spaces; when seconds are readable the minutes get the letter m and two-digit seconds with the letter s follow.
5h05
